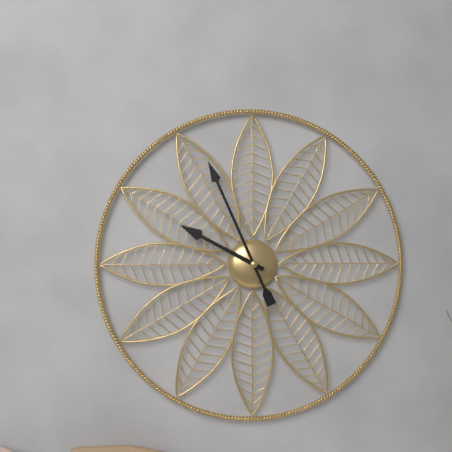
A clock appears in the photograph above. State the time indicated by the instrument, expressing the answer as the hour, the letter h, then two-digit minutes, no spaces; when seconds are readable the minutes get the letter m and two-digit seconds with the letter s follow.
9h56
